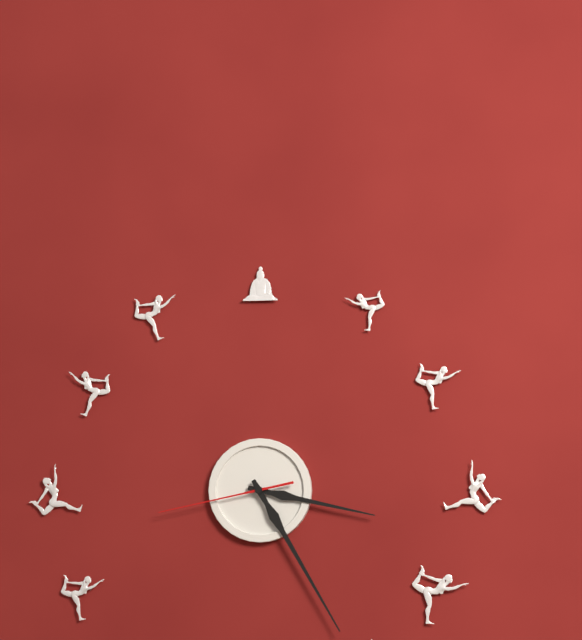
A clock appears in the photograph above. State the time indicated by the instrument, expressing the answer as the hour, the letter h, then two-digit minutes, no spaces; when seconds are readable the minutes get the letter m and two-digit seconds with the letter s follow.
3h25m43s
